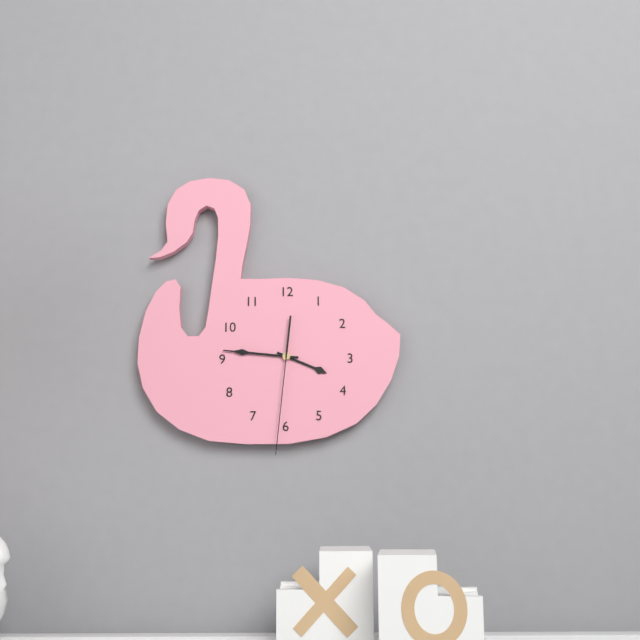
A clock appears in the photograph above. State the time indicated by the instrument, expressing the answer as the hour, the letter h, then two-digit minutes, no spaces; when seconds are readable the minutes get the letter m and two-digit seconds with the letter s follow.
3h46m31s
